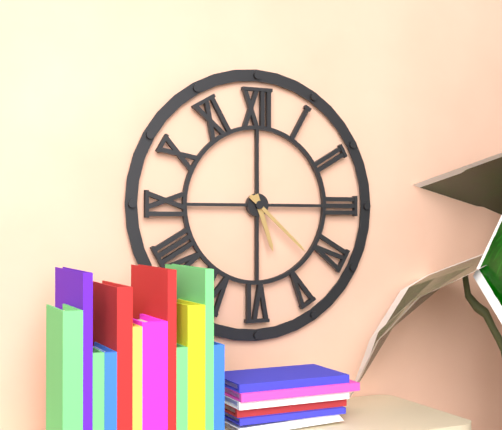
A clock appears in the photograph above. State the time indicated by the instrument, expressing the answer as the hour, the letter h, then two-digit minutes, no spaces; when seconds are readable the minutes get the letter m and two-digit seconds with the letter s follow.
5h22
